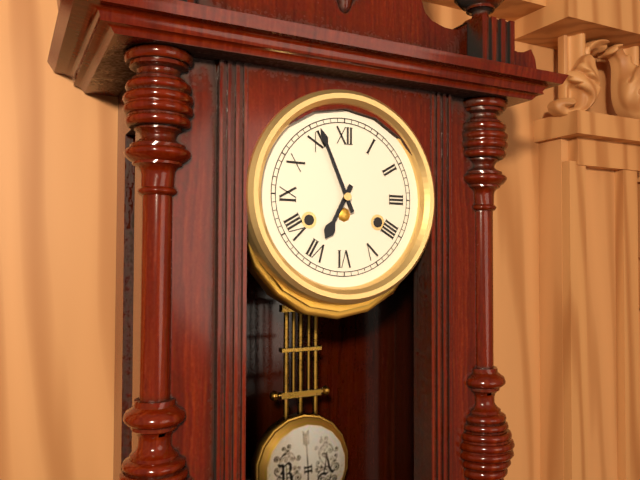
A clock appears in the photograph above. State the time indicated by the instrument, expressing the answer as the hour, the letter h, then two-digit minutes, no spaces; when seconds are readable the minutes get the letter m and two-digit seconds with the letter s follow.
6h56
